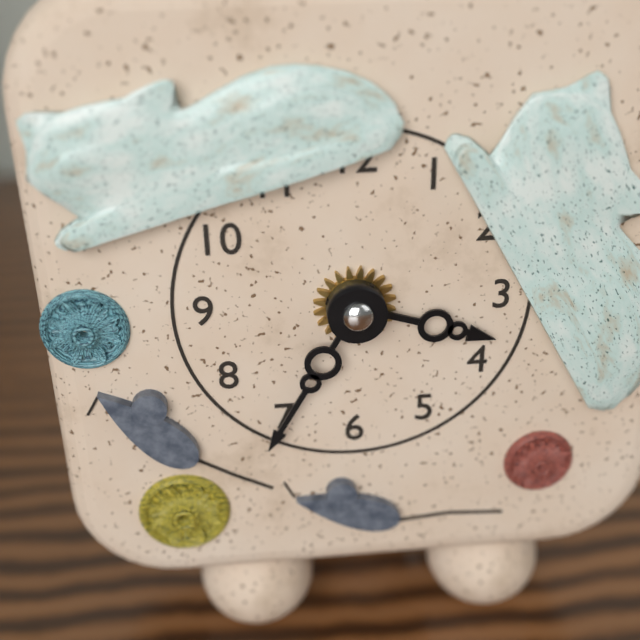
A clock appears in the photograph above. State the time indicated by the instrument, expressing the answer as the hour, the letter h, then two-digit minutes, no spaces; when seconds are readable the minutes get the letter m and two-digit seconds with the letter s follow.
3h35
